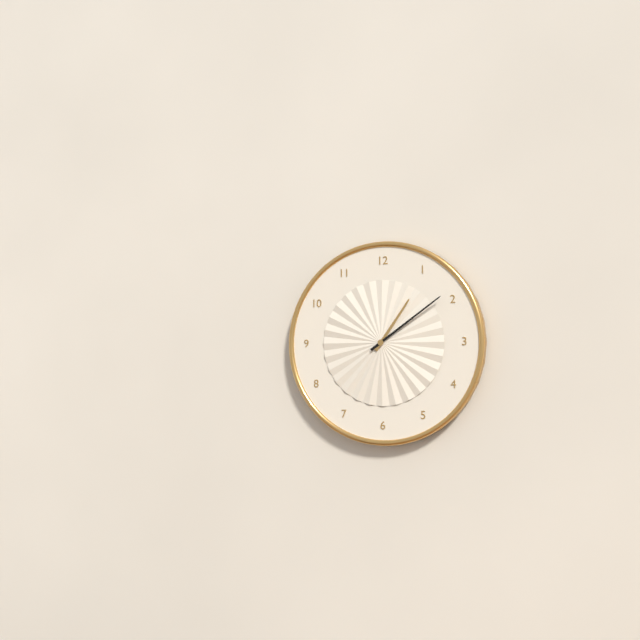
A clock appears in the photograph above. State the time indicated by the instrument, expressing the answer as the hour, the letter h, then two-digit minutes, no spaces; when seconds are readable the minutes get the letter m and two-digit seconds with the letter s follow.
1h09
